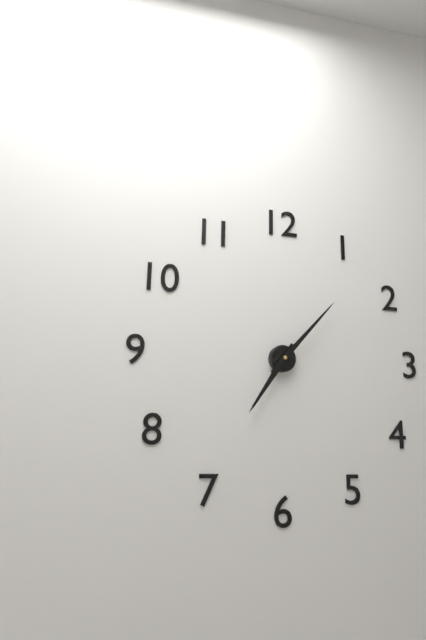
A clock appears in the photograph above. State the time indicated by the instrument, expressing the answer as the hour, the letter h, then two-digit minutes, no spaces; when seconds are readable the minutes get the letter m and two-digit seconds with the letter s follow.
7h07
